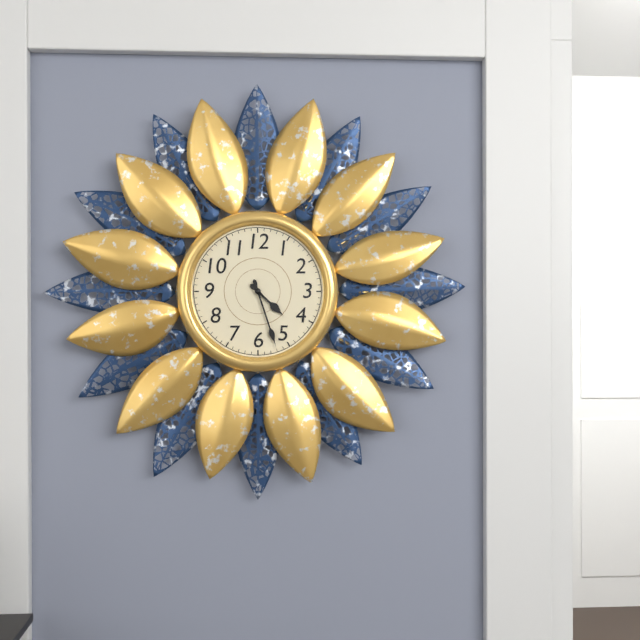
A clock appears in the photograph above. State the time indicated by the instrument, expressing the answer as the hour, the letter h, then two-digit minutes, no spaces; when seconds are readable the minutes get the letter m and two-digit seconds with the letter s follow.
4h27
